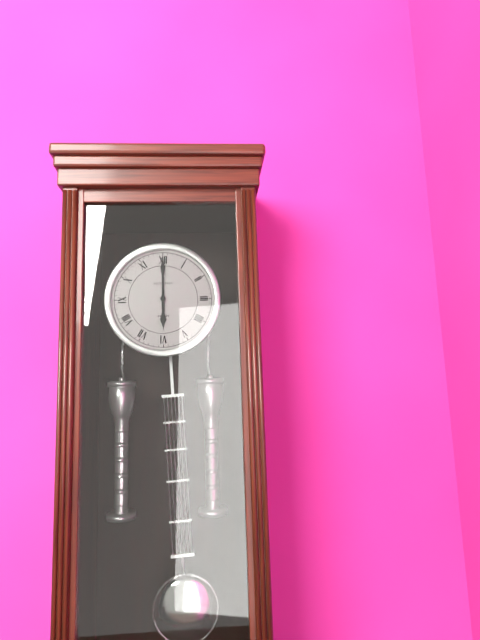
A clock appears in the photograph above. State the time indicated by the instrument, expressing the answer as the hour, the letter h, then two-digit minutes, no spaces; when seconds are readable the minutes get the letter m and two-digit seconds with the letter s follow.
6h00
